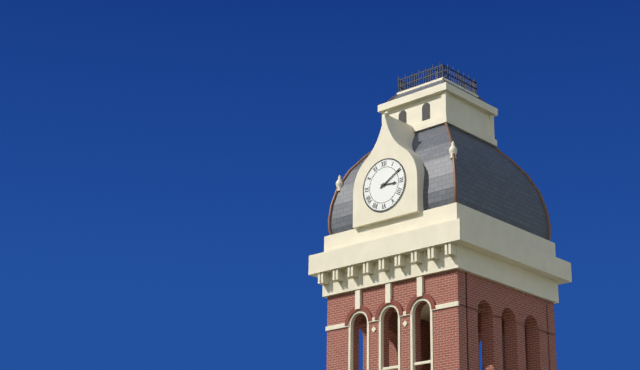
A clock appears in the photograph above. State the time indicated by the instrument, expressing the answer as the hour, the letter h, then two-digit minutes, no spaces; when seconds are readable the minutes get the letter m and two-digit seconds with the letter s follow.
3h10
